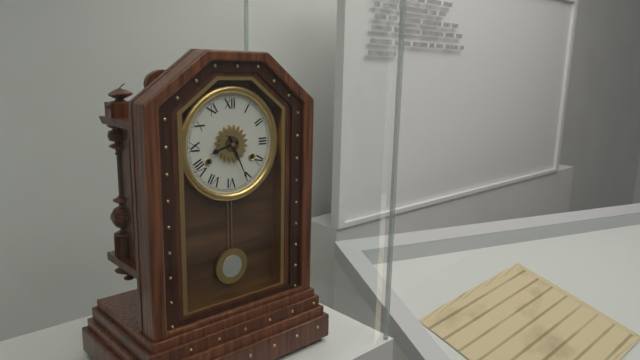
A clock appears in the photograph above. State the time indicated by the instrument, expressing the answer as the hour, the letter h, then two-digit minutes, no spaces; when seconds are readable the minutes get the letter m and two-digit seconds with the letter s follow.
8h26
